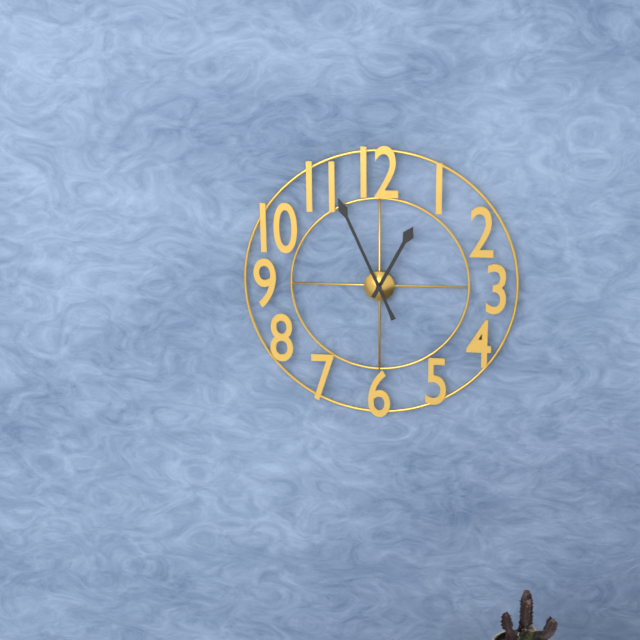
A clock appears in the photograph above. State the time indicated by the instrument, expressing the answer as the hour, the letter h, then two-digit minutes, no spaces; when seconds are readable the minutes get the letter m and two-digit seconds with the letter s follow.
12h56
